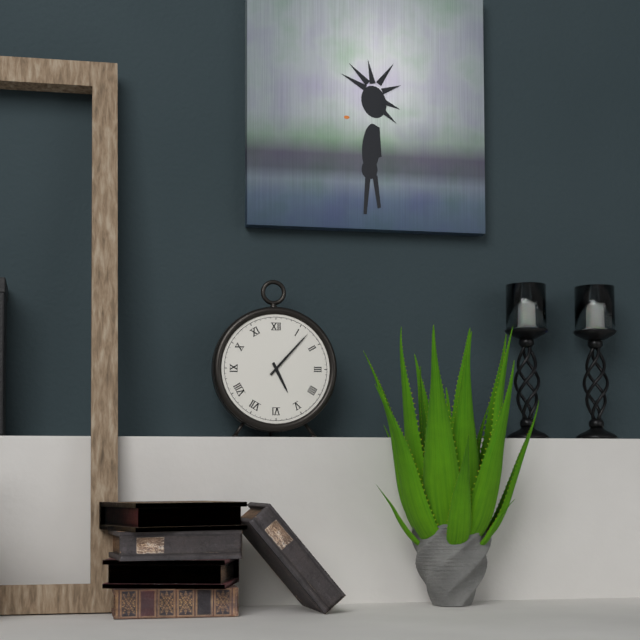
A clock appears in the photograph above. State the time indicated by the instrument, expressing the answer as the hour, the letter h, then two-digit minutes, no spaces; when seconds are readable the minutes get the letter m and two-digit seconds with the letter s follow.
5h07
